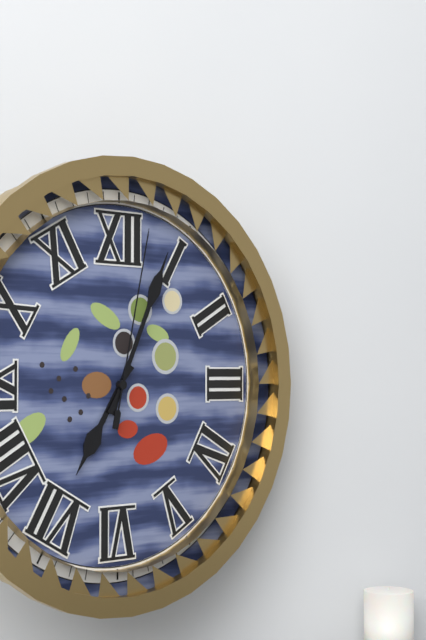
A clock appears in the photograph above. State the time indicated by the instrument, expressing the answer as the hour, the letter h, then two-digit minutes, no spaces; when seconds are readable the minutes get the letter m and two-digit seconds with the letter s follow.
7h04m02s
